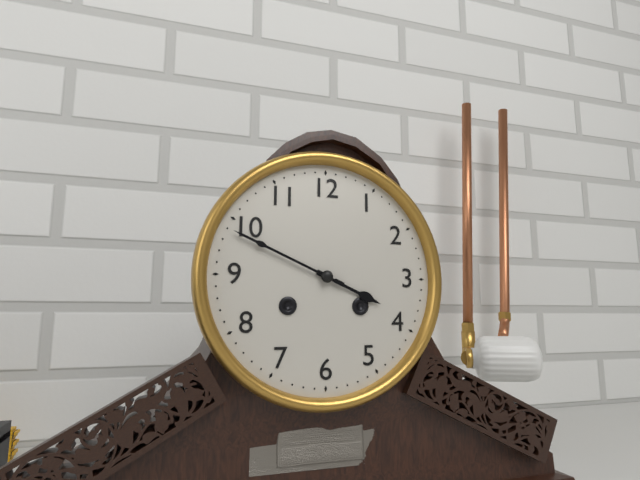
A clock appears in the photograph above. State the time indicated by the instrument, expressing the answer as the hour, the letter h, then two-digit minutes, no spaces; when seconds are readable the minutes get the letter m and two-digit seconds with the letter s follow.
3h49
